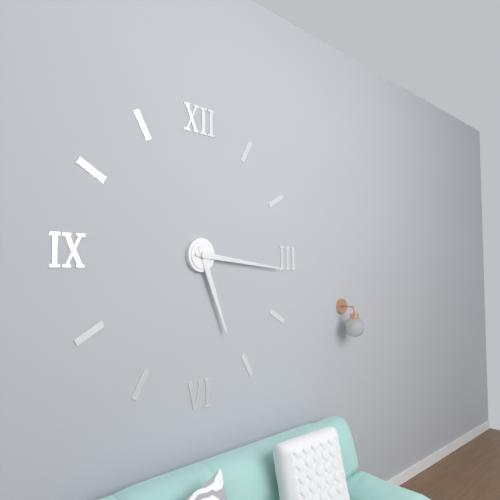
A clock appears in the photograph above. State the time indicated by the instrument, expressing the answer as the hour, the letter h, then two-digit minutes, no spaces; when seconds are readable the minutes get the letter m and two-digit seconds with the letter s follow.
5h16
